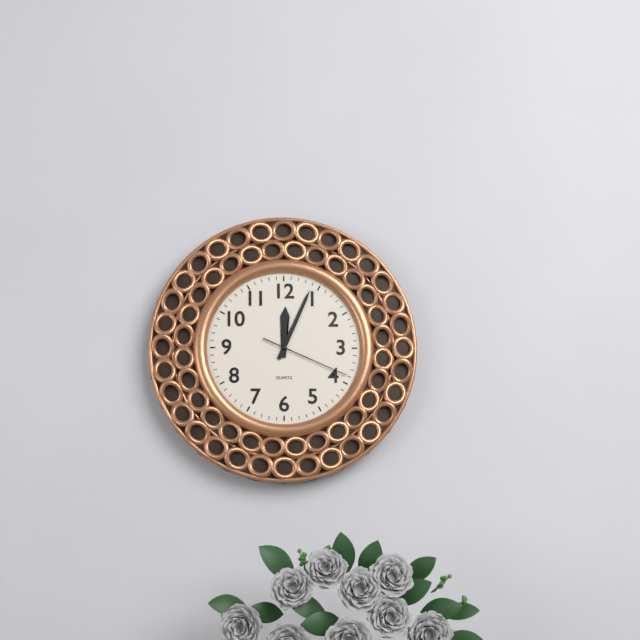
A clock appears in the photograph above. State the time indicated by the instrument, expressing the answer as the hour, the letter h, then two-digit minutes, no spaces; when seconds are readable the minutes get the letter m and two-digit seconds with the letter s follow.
12h04m19s
